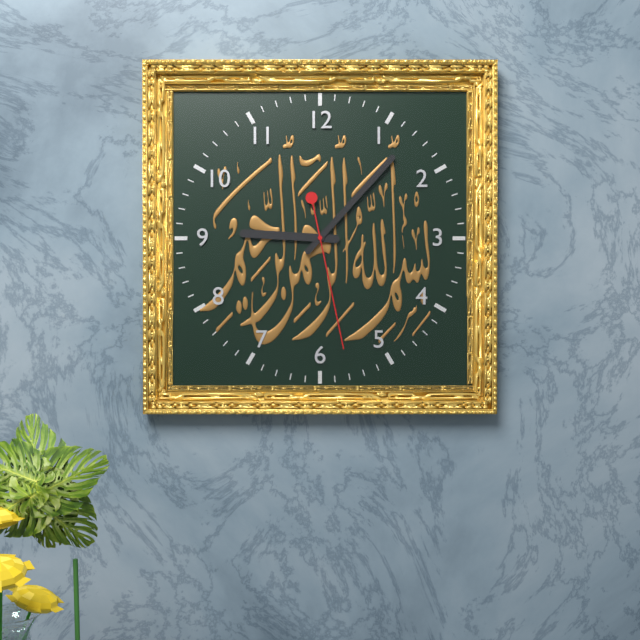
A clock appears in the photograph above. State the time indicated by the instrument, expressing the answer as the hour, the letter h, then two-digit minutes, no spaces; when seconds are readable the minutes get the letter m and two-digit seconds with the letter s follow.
9h07m28s
